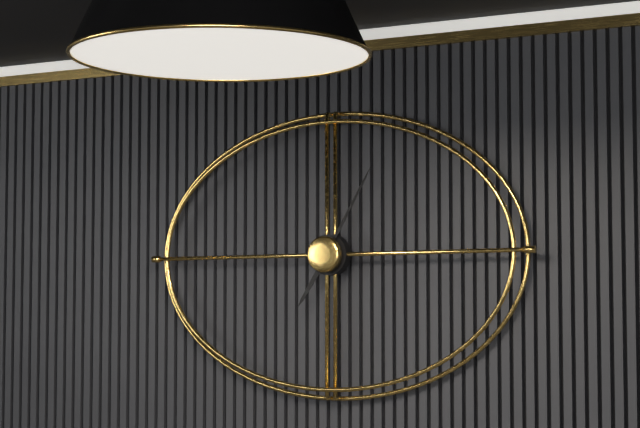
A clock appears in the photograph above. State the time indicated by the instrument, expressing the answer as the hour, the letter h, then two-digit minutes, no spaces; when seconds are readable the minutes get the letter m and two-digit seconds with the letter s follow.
7h05
